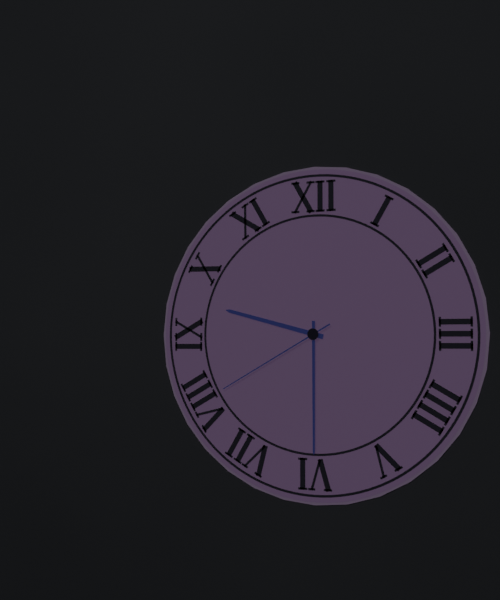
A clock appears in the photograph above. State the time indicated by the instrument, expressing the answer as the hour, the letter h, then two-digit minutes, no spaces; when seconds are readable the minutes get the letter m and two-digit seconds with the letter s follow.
9h30m40s
